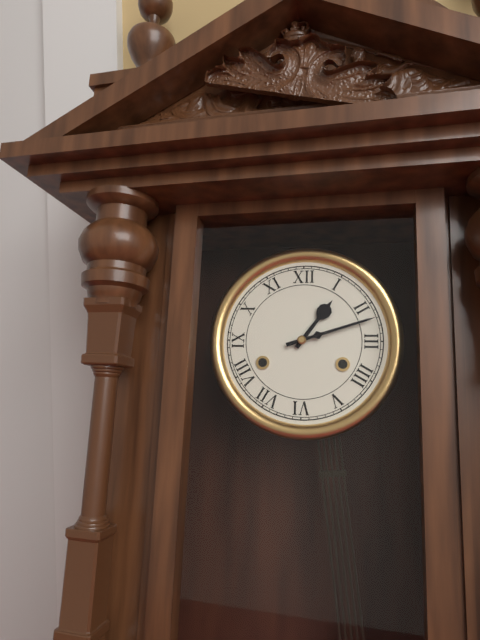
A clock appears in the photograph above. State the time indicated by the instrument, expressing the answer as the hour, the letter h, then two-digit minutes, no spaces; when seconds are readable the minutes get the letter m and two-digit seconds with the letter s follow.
1h12
